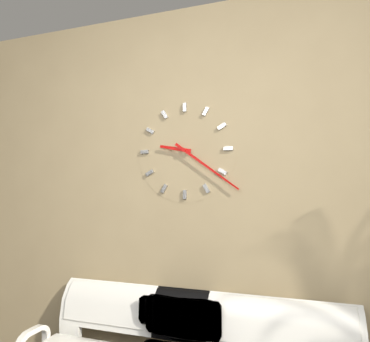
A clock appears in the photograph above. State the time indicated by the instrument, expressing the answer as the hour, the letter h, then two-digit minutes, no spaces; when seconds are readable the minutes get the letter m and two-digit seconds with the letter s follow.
9h21
